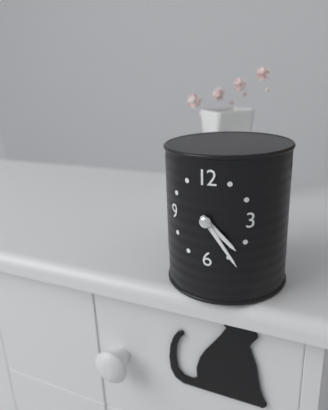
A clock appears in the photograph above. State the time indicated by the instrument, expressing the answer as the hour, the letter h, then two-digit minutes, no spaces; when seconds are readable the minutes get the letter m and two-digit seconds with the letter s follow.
4h24
